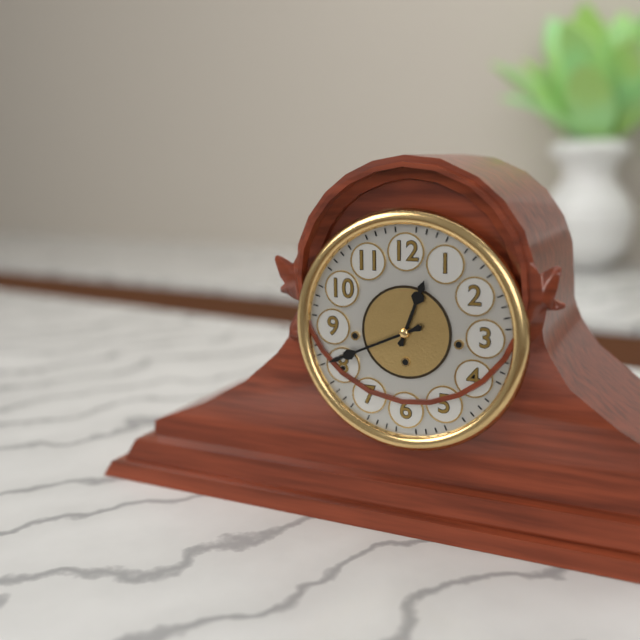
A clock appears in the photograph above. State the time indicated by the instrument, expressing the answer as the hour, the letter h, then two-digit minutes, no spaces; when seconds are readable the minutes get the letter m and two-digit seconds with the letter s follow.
12h41
